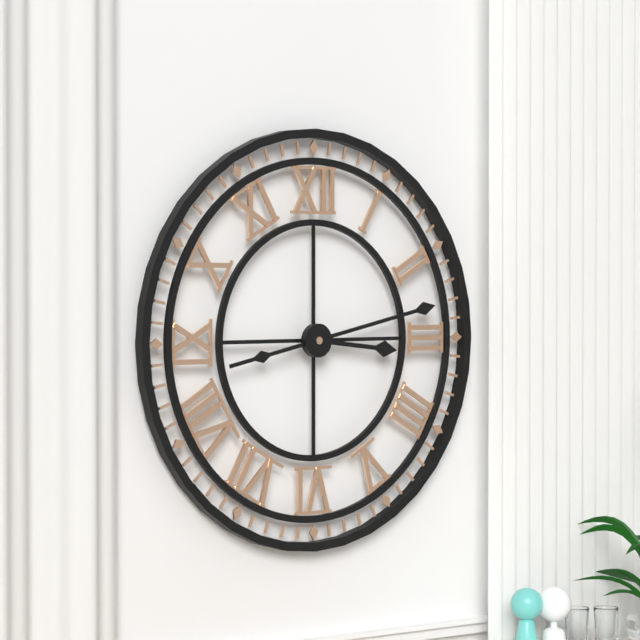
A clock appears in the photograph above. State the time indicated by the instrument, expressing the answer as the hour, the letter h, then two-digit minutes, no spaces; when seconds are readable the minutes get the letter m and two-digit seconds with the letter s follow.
3h13
